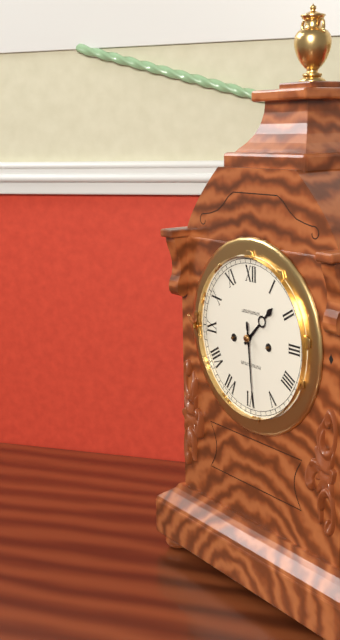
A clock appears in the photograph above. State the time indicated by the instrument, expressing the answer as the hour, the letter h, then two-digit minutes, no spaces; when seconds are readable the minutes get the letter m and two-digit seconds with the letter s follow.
1h29
